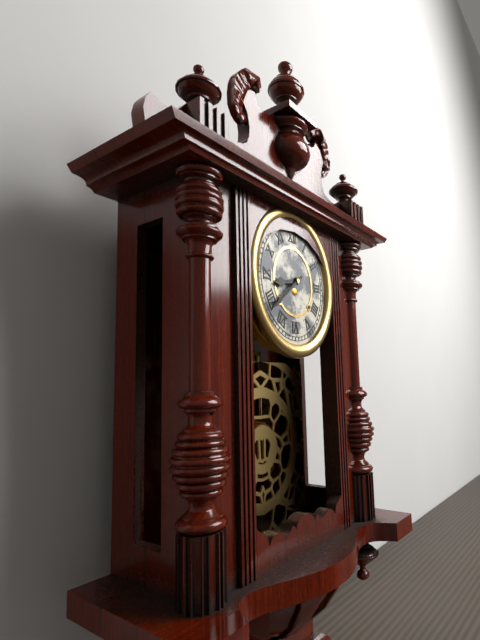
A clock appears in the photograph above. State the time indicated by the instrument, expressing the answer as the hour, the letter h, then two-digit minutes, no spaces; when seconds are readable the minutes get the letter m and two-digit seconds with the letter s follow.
8h39
